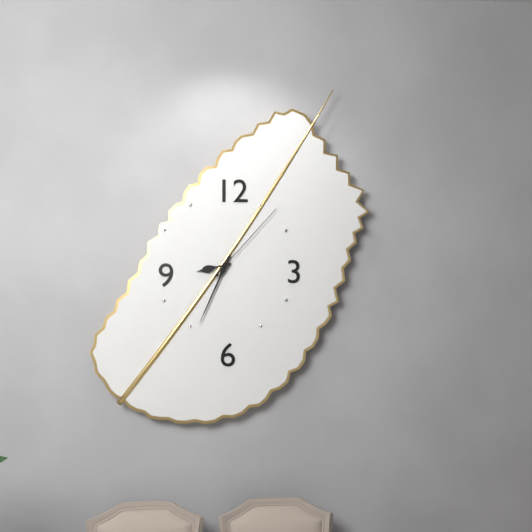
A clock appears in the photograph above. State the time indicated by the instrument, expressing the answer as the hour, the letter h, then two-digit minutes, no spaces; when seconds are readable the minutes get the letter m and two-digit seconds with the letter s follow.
8h34m07s
